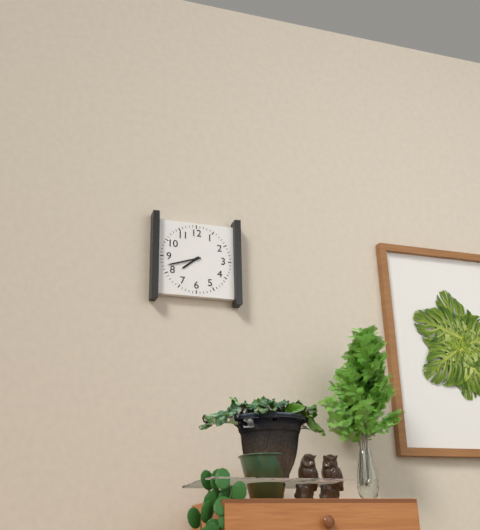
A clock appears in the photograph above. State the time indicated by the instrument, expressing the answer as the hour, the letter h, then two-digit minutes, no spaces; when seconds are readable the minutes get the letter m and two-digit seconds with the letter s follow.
7h42
